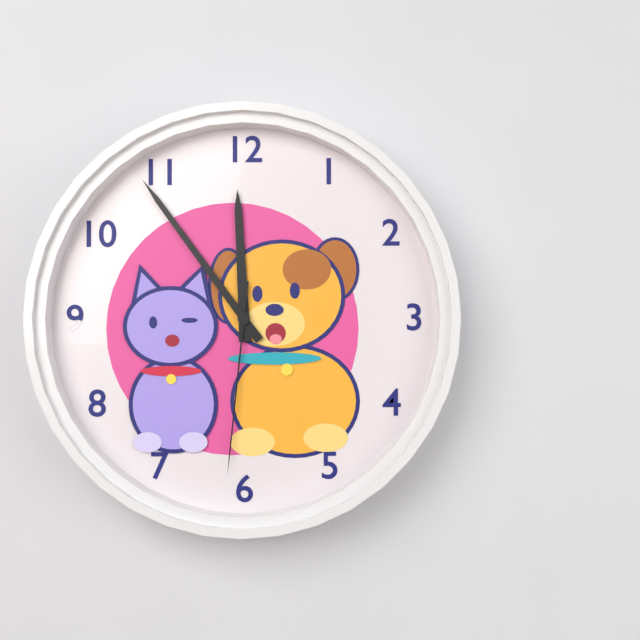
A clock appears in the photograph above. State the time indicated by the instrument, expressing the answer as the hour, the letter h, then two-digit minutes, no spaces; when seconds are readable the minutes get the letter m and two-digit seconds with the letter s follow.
11h54m31s
